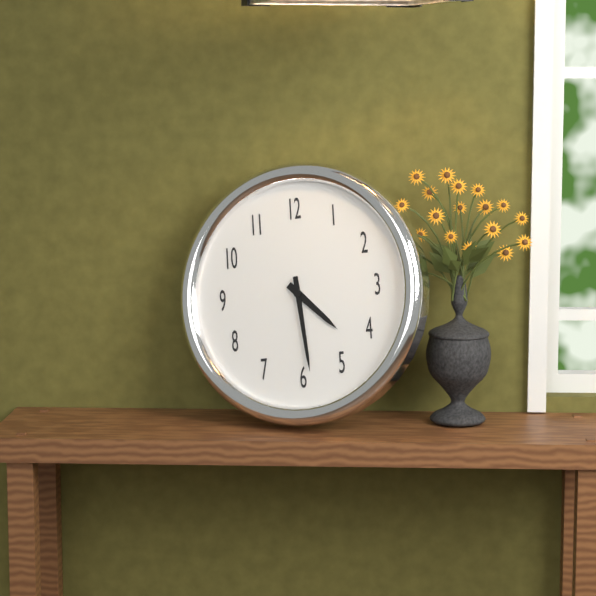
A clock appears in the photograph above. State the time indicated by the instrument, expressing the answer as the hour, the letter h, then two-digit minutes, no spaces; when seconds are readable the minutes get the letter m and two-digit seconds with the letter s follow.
4h29
